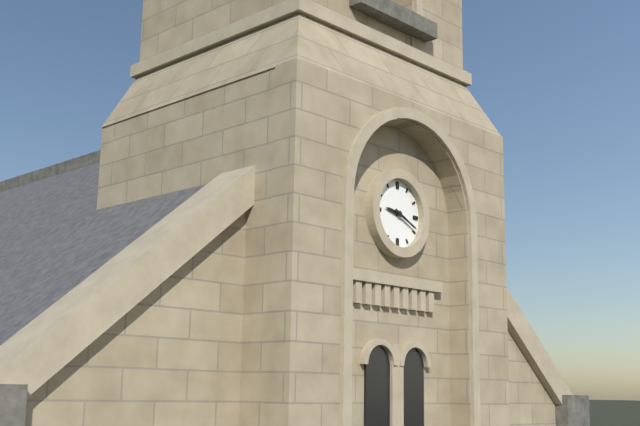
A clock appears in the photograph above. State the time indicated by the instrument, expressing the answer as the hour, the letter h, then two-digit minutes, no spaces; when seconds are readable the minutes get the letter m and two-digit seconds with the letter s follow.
9h19
